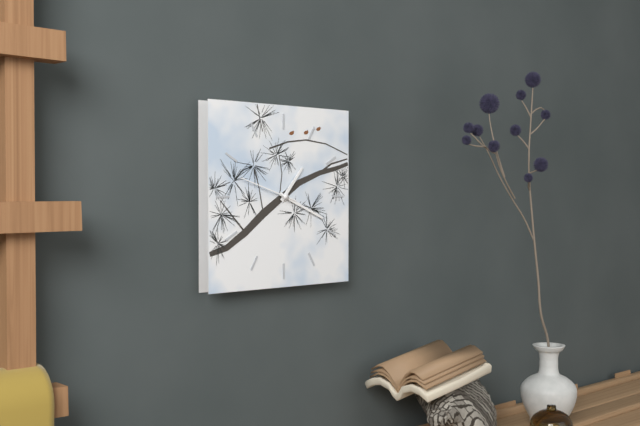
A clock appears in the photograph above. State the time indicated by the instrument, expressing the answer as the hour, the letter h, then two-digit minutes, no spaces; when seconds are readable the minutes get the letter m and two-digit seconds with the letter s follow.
1h19m48s
